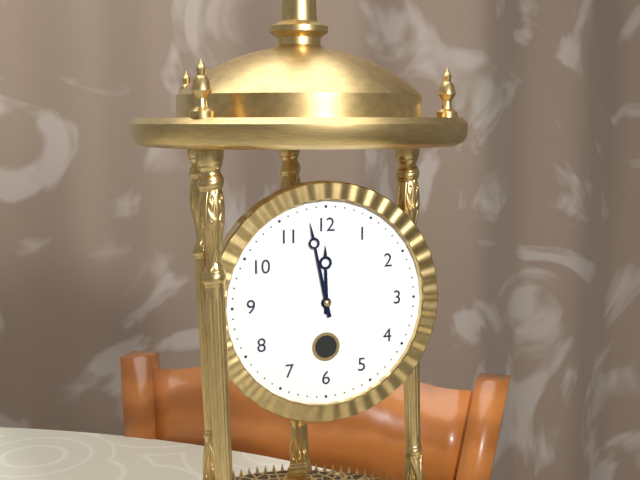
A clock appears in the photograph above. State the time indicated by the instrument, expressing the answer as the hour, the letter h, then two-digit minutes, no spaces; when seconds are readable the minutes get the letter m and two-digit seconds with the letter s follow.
11h58
